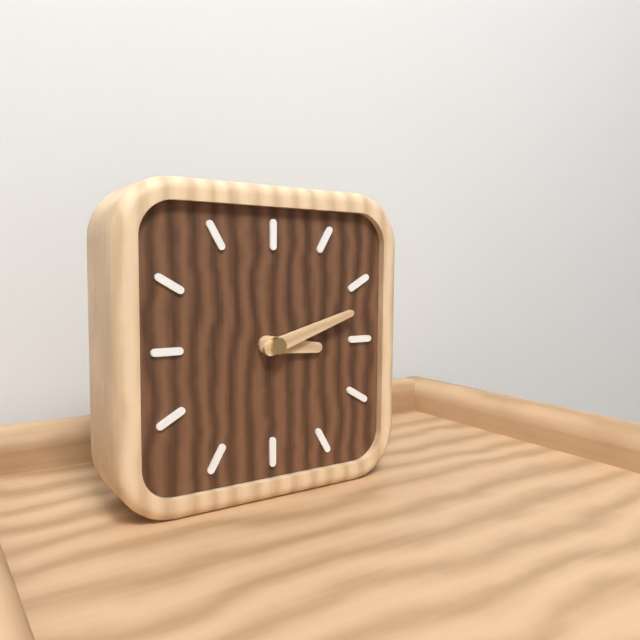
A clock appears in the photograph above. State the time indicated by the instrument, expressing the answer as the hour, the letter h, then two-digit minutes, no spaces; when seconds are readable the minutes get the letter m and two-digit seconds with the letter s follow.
3h12
